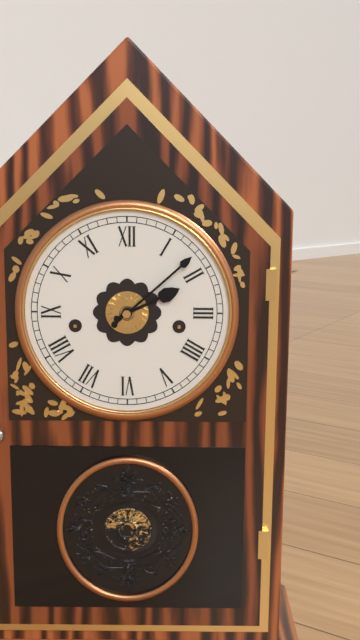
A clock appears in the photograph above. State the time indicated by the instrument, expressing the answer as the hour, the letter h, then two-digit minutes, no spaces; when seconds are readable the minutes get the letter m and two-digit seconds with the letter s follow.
2h08
